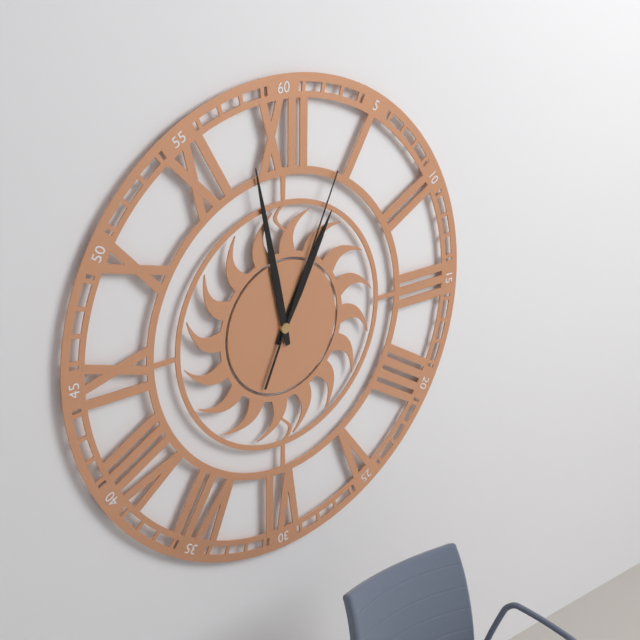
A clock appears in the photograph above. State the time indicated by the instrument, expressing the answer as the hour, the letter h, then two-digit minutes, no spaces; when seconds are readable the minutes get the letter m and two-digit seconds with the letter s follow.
12h58m04s
